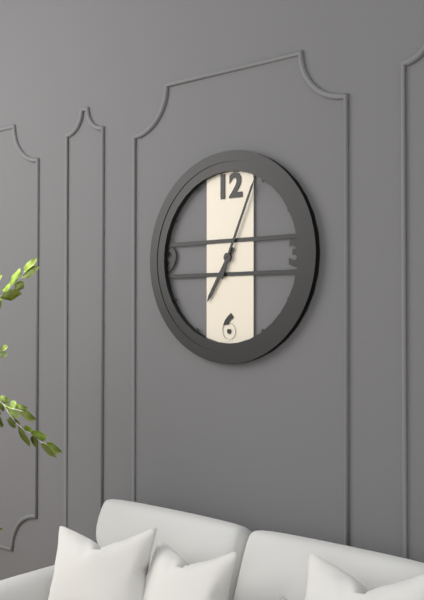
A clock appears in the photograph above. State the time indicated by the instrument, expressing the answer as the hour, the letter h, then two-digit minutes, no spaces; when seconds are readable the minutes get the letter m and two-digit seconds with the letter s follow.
7h04
